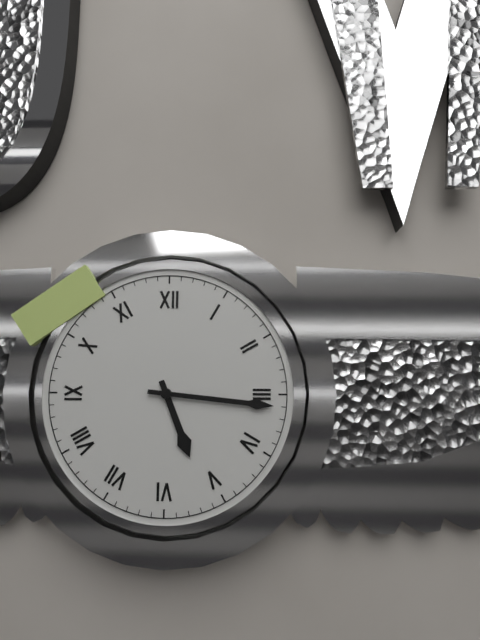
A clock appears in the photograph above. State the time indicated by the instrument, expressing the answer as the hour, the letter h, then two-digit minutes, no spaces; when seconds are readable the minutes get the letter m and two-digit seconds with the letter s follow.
5h16
